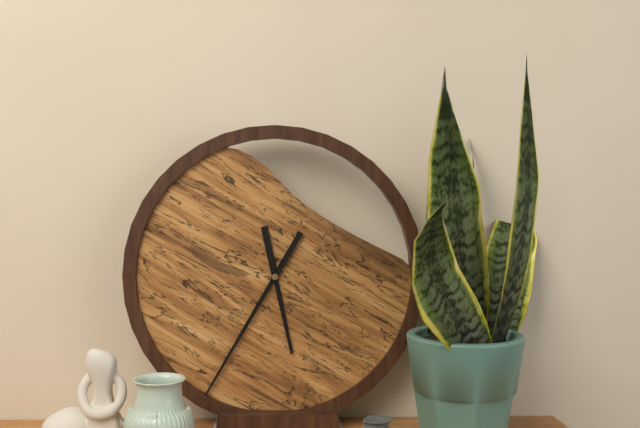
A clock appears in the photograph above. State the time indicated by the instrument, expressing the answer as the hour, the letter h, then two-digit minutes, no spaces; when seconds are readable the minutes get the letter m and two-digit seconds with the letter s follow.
5h35
